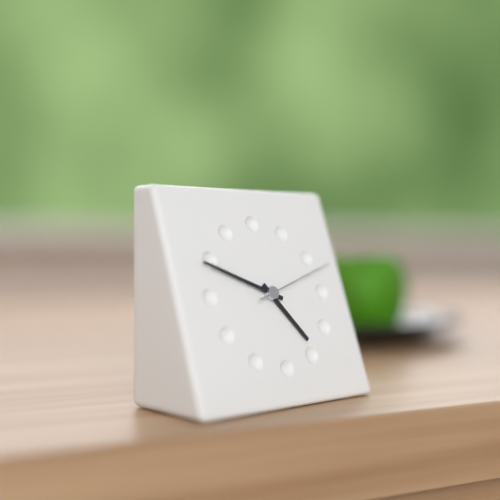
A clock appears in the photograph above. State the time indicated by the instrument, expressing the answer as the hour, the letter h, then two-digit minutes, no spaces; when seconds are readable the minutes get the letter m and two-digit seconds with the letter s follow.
4h49m12s
